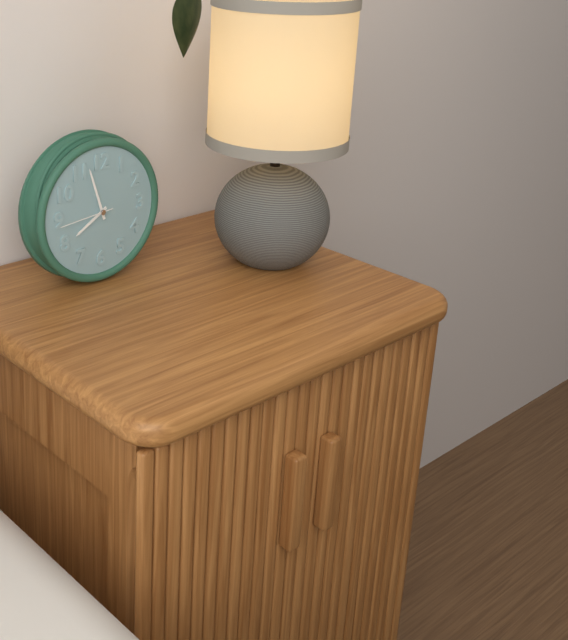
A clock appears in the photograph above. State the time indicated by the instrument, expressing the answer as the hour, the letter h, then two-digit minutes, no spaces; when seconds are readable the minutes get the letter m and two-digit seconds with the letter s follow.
7h57m44s
